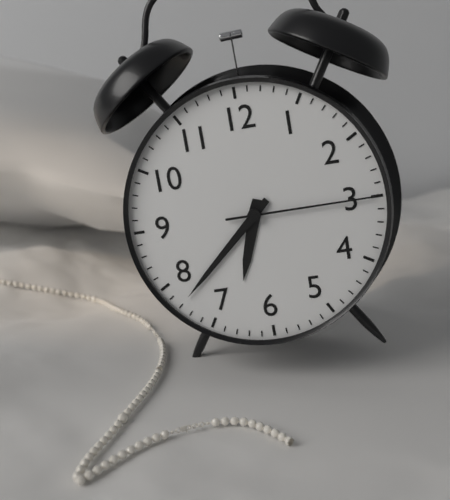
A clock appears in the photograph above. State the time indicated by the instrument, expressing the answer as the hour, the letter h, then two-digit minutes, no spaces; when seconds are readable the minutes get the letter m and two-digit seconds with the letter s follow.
6h38m15s
